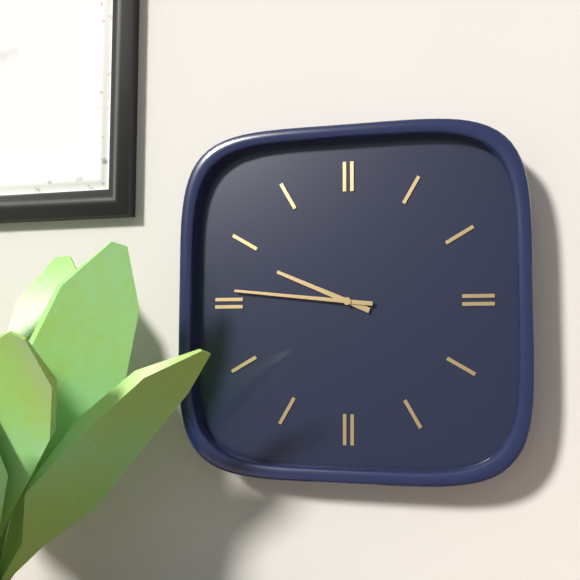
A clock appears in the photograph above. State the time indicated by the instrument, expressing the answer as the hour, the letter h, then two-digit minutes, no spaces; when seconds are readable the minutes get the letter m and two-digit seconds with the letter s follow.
9h46
